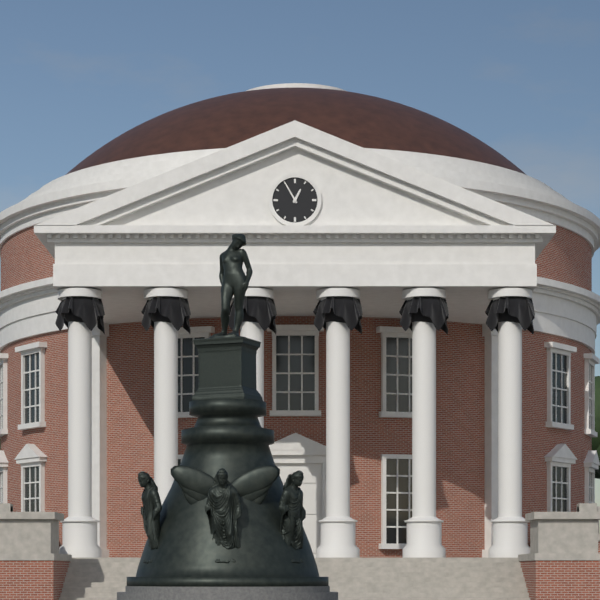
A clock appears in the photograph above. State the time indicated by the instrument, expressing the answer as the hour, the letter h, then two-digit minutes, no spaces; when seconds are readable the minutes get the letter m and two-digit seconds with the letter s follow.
12h55
